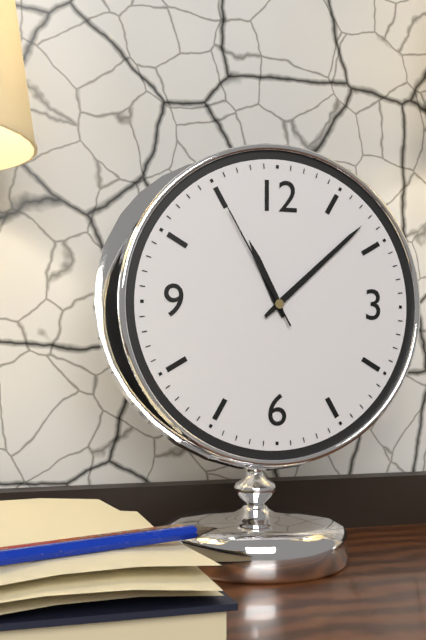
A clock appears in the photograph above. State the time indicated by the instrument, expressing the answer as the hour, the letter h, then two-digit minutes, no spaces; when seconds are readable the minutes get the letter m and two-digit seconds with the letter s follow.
11h08m55s
